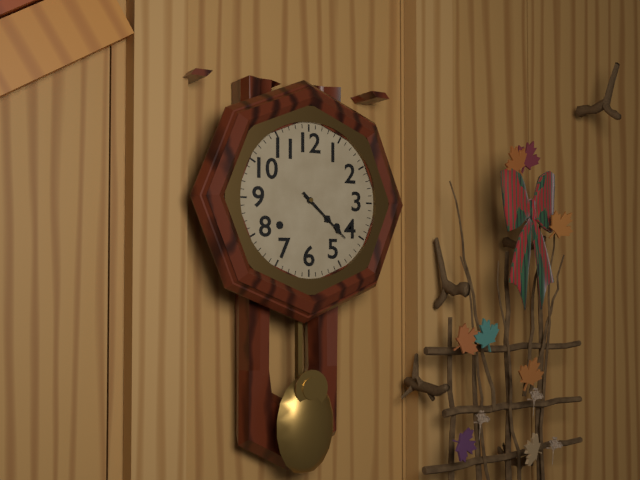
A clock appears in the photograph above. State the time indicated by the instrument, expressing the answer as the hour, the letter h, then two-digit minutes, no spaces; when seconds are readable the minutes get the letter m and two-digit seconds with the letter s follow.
4h22
